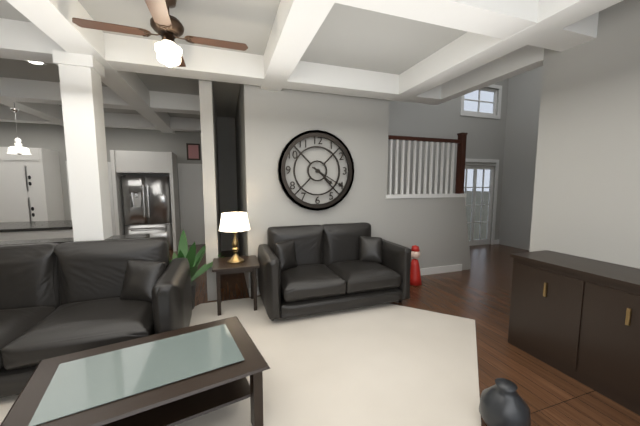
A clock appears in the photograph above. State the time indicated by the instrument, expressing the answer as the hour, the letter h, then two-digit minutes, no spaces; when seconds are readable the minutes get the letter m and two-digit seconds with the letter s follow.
4h20
